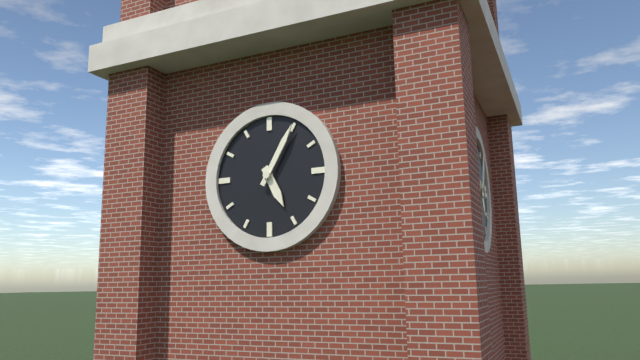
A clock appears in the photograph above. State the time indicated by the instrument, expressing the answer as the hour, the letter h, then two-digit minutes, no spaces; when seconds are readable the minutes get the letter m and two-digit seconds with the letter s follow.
5h05
